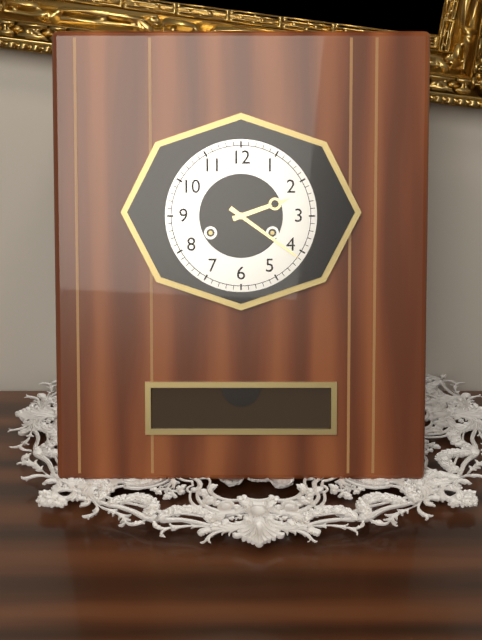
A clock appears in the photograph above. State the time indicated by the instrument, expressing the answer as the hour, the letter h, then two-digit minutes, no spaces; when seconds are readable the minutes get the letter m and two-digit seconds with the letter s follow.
2h21
